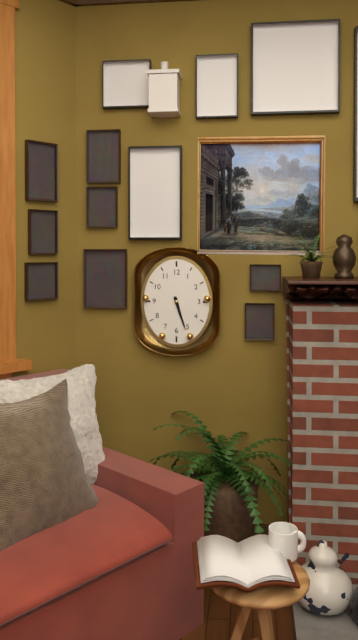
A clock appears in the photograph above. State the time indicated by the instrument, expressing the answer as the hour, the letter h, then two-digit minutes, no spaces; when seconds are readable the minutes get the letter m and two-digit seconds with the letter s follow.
5h27
